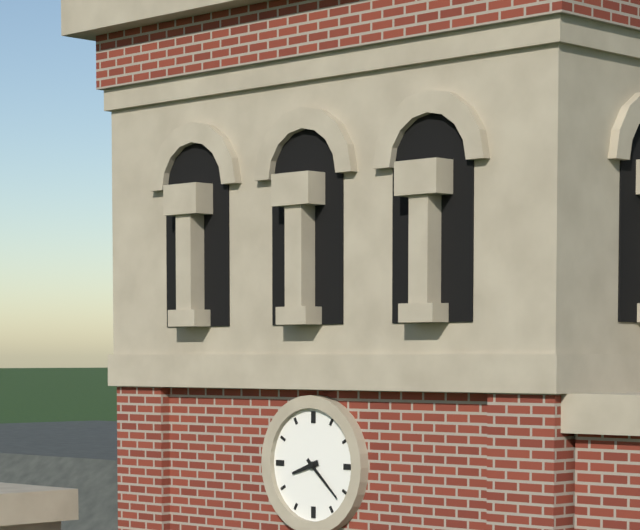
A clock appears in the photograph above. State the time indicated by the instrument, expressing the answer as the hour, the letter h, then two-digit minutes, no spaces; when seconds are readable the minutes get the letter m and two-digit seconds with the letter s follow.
8h22
